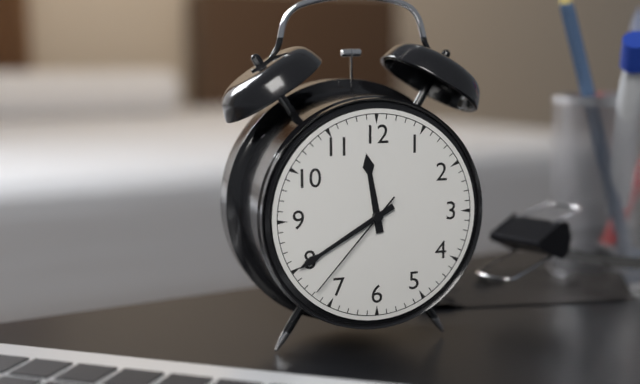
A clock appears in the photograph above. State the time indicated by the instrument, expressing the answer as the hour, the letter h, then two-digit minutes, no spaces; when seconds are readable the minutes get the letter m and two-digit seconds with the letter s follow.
11h40m37s
